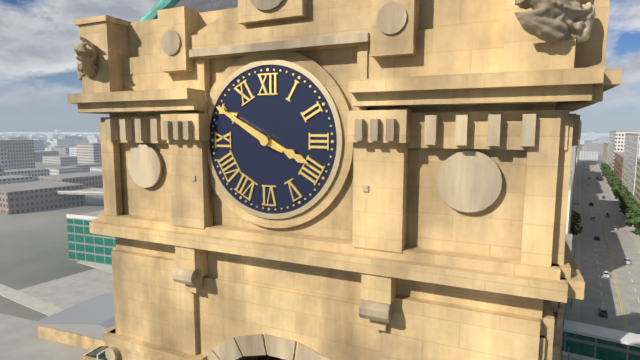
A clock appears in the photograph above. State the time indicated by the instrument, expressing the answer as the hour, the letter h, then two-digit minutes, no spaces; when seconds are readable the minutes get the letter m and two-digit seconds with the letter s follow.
3h50
